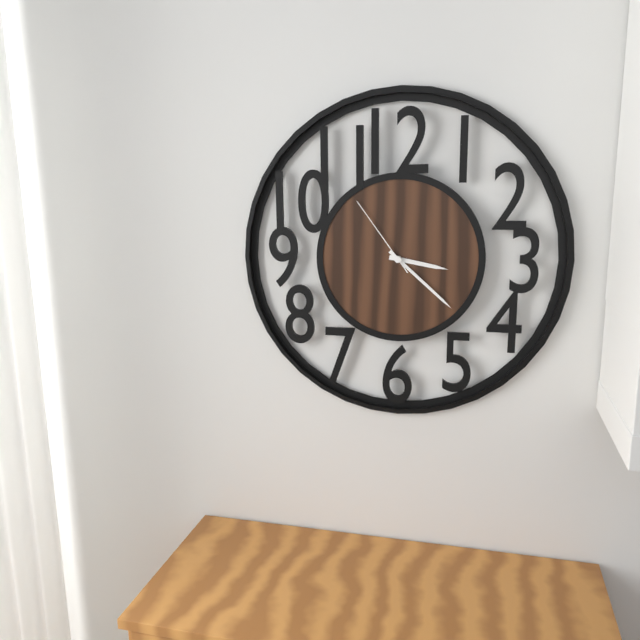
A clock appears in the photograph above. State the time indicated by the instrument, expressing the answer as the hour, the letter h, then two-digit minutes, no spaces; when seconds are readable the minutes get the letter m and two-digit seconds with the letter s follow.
3h22m54s
